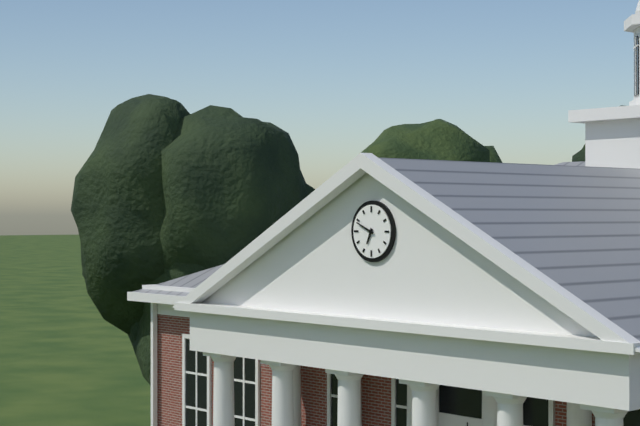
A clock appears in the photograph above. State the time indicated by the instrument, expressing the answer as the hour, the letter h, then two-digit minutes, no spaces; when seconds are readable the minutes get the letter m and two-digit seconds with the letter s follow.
6h49
